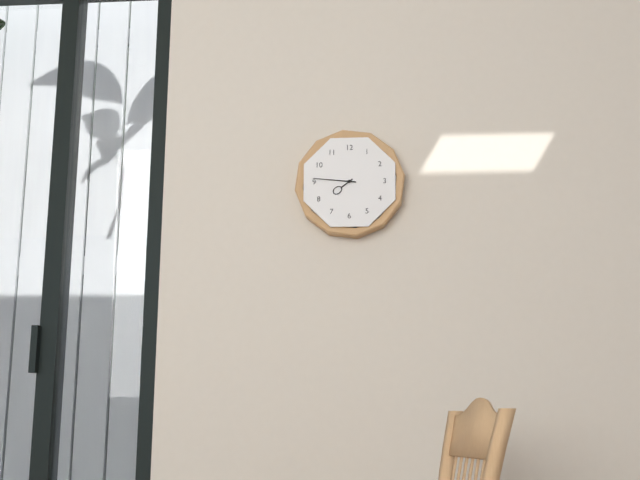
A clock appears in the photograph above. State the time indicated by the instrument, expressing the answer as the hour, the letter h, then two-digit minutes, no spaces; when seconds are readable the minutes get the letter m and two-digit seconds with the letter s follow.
7h46
